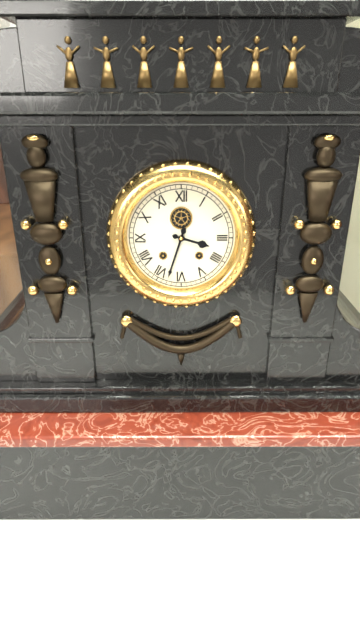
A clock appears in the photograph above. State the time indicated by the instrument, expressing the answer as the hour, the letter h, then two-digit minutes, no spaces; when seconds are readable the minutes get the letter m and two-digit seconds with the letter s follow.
3h33
